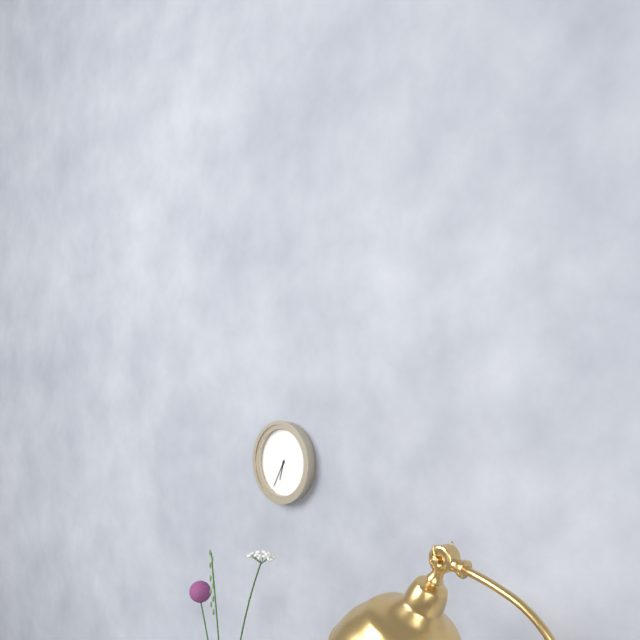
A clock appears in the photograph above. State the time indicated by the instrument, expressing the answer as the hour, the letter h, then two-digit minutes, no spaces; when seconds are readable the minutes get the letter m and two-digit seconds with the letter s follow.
6h35
